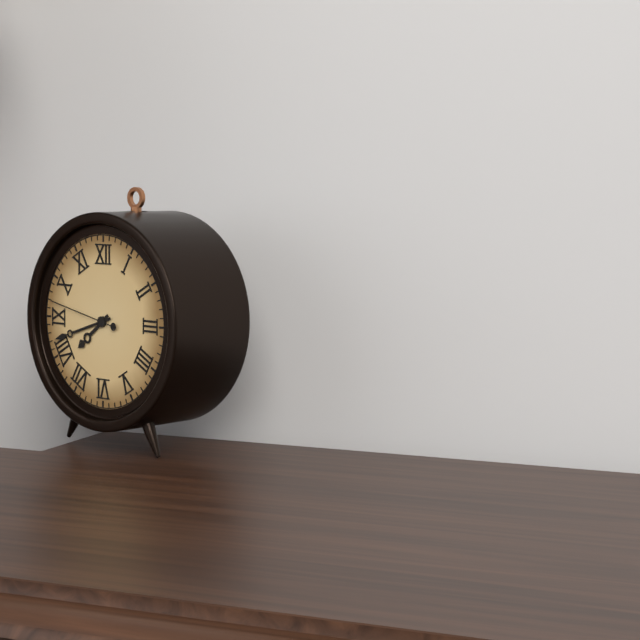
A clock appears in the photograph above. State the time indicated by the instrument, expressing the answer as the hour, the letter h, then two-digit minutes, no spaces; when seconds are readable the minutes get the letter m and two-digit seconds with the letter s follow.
7h42m47s
